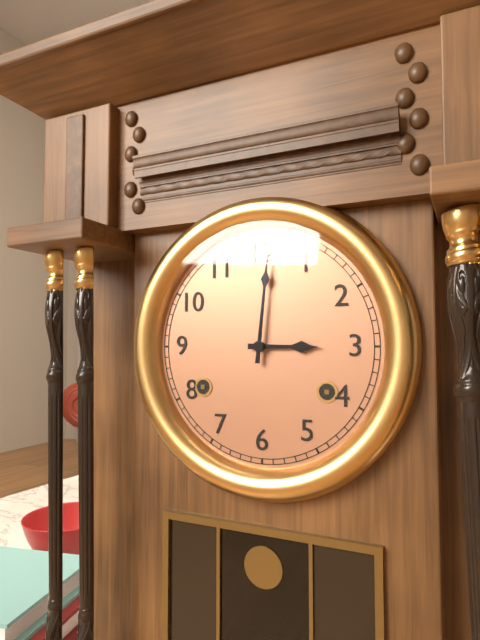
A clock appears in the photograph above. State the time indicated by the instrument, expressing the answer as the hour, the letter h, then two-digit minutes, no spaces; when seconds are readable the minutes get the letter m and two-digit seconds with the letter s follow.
3h01
